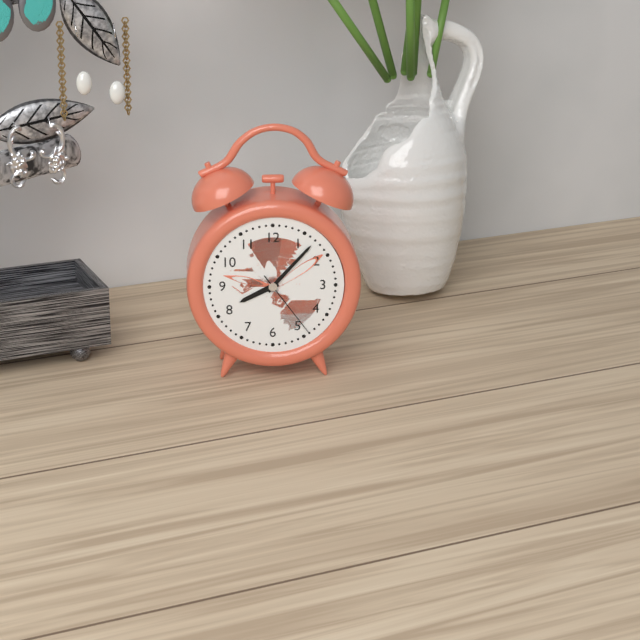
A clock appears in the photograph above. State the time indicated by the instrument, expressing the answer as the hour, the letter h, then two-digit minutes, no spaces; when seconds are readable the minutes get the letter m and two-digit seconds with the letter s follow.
8h07m24s
